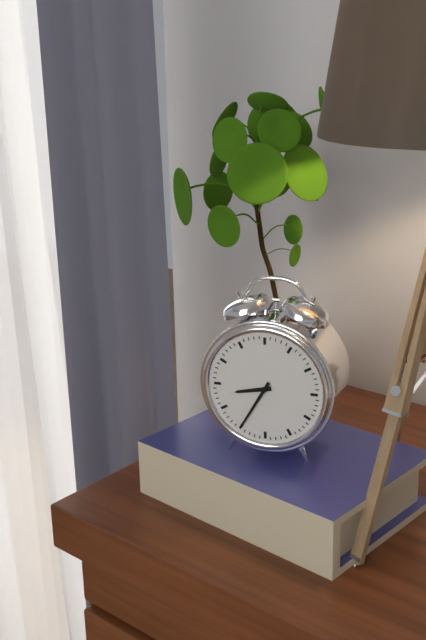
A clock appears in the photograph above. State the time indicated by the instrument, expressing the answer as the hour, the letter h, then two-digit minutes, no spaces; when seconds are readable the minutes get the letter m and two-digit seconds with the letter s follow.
8h35
